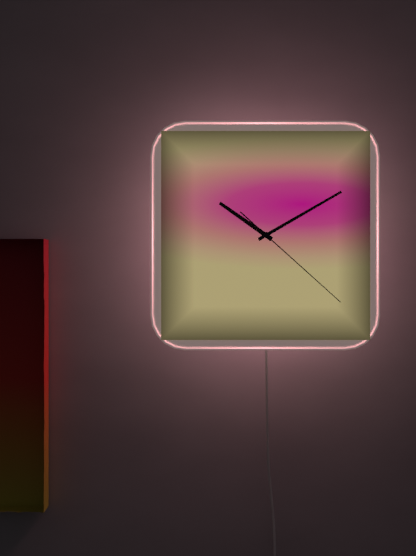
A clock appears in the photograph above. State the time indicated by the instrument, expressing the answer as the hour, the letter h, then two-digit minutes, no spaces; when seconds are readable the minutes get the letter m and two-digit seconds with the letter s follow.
10h10m22s
